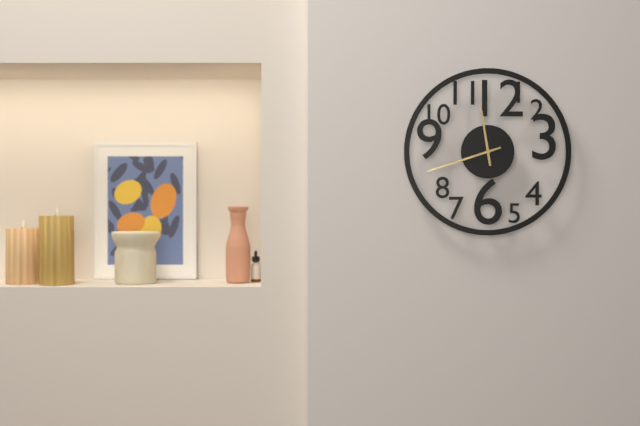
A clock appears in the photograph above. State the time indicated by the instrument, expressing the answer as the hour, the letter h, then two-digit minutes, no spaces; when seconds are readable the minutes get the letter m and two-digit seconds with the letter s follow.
11h42
